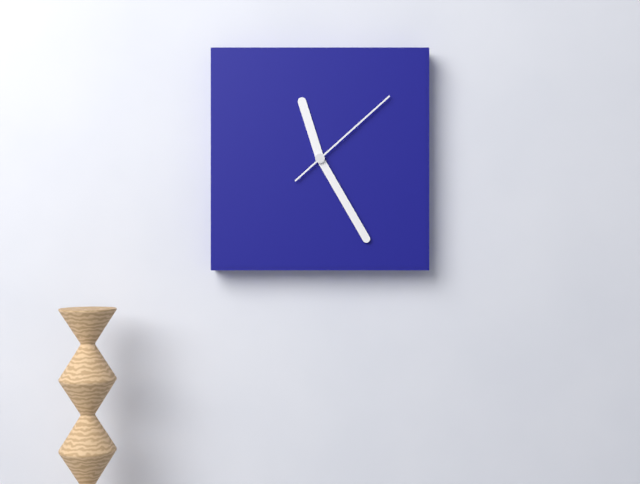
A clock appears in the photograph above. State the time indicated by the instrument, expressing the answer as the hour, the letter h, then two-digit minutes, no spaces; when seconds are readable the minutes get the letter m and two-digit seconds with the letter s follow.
11h25m08s
